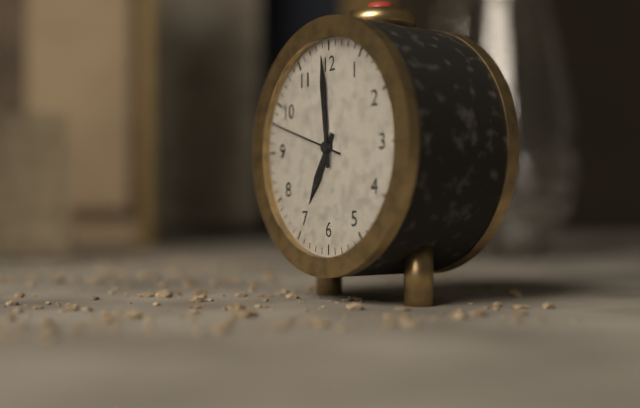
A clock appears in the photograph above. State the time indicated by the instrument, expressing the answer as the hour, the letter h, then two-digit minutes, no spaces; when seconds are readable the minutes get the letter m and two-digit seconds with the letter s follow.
6h59m48s
